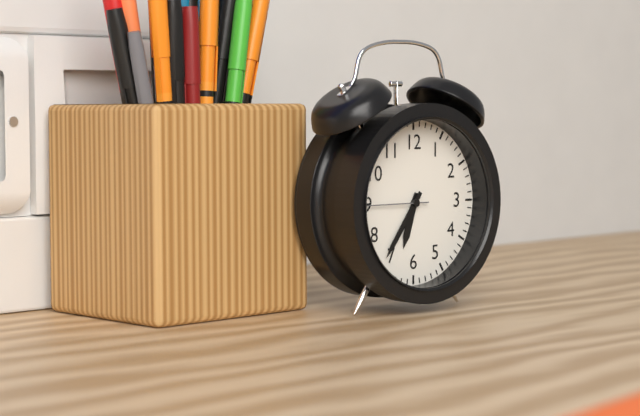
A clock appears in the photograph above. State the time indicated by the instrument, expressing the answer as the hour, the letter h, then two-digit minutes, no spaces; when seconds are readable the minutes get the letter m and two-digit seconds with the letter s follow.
6h36m45s
